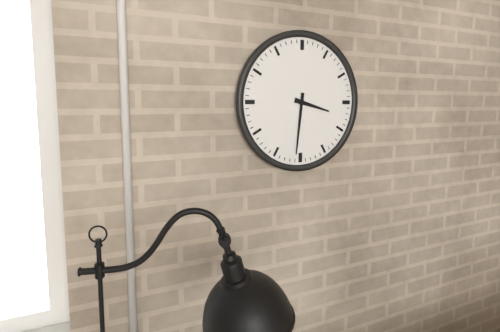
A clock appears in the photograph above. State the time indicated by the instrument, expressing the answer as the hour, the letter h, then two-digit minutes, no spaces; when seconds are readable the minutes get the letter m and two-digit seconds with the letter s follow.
3h31
